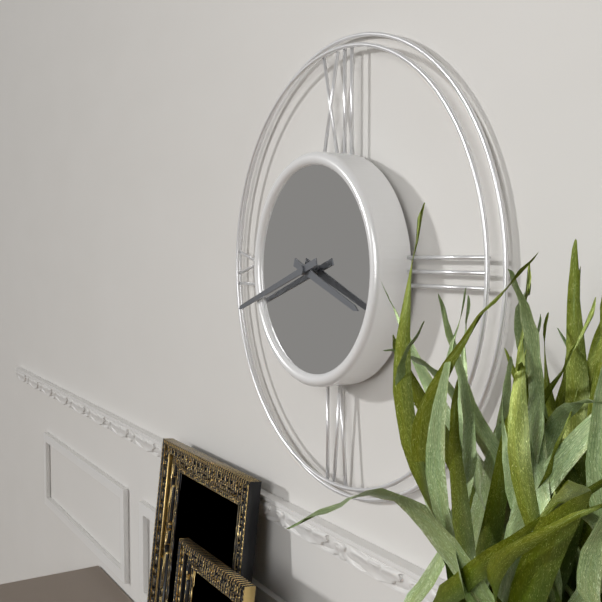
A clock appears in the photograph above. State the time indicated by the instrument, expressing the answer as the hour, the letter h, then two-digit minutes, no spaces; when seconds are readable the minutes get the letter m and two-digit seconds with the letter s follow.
3h42
